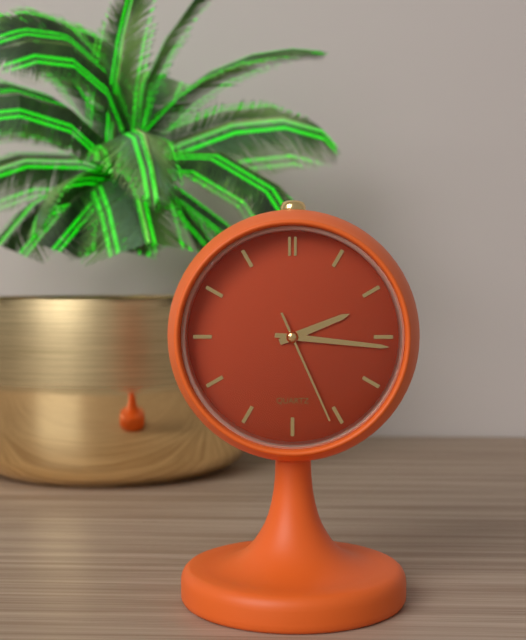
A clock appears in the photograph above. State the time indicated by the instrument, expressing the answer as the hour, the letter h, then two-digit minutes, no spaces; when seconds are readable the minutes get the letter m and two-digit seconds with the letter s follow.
2h16m26s
